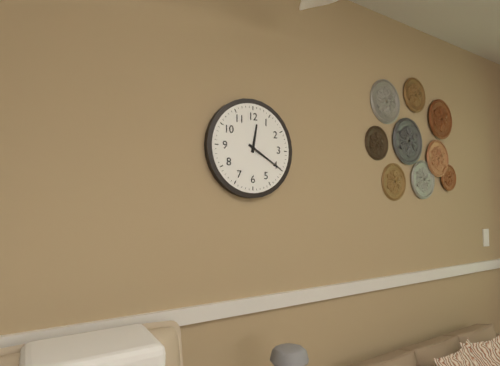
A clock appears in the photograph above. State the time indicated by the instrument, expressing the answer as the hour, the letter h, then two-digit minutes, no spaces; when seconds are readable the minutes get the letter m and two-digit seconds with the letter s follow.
12h20
